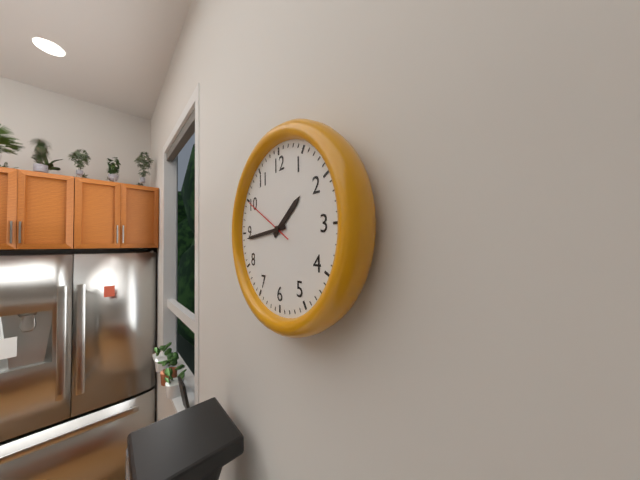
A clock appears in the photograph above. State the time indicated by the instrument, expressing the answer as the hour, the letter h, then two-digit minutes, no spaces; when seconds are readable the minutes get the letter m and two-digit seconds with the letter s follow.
1h44m50s
